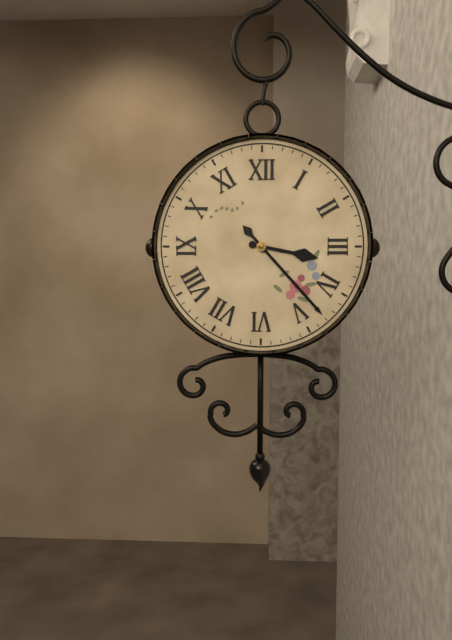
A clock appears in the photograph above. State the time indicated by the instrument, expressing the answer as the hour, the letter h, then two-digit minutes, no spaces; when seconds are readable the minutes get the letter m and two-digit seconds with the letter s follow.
3h23
